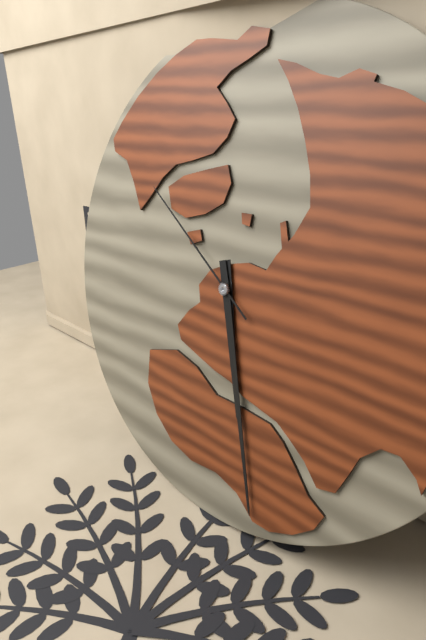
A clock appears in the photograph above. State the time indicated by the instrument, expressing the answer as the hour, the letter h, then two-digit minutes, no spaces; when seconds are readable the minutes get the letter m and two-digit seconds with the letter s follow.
5h27m51s
